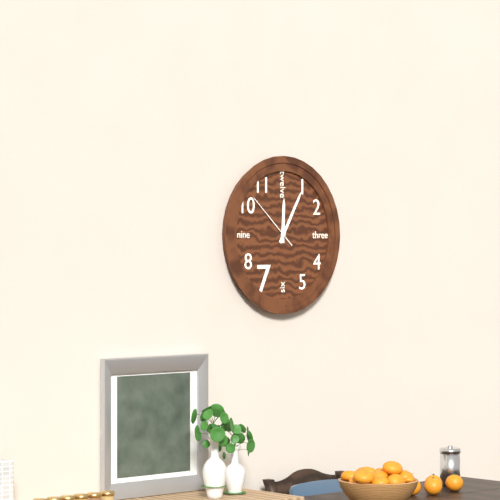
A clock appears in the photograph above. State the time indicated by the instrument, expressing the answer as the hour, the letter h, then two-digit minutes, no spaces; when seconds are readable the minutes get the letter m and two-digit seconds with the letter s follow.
12h05m52s
